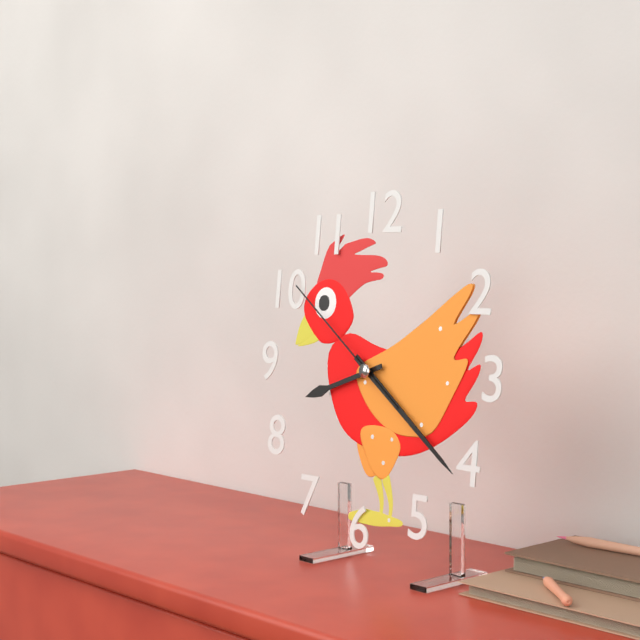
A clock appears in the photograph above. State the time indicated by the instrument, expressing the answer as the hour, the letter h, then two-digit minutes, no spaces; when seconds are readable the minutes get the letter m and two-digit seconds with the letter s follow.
8h21m51s
